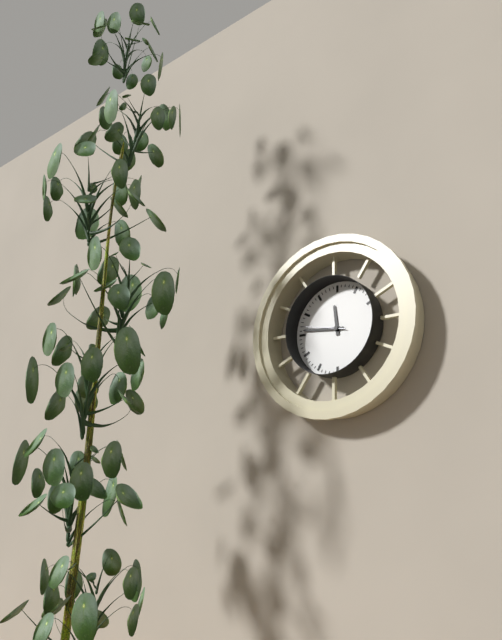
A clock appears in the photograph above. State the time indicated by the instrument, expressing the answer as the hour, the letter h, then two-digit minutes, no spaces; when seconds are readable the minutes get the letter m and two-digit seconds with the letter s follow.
11h46
